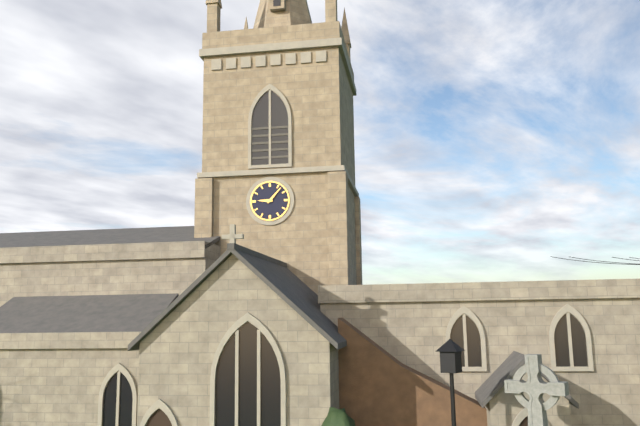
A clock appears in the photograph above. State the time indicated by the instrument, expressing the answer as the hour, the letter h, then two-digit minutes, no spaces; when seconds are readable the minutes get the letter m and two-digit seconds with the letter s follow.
9h07
